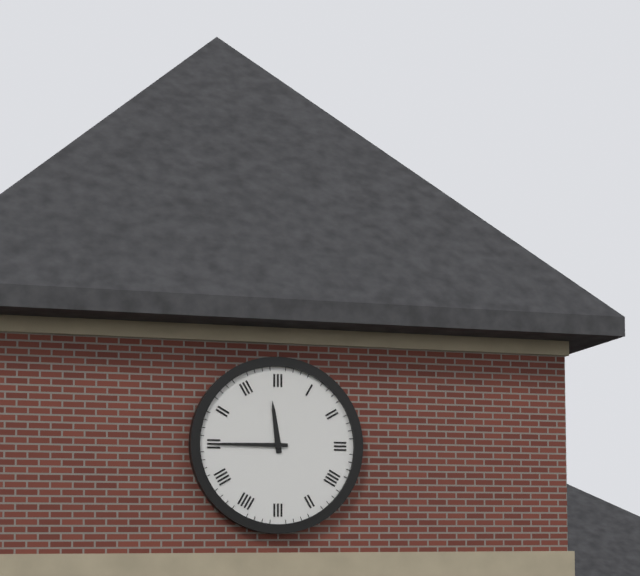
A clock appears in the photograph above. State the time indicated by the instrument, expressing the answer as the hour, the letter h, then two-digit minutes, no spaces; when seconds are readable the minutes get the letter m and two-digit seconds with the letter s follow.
11h45
